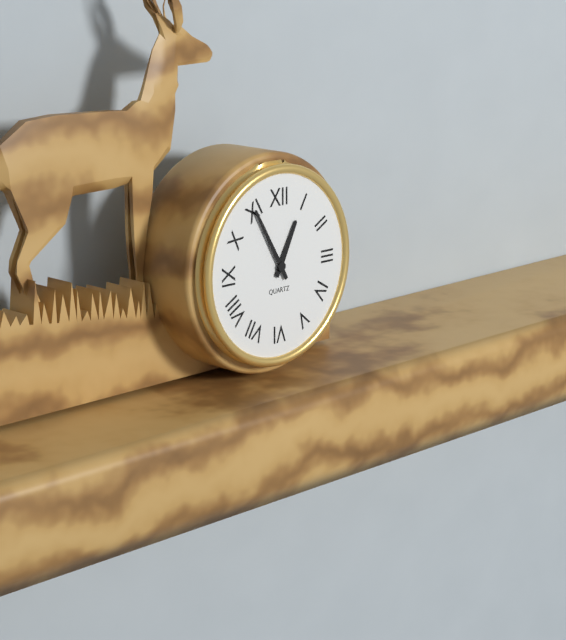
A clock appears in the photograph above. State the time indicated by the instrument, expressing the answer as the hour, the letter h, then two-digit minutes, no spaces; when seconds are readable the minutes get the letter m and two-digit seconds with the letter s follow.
12h55
